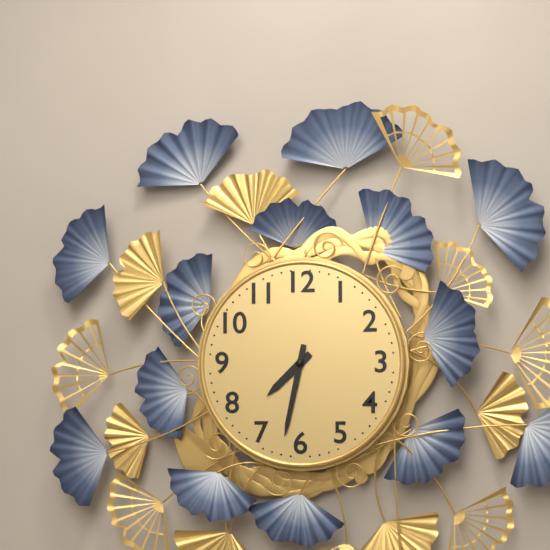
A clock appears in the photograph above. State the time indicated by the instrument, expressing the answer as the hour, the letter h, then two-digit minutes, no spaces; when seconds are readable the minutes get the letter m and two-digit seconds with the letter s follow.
7h32
